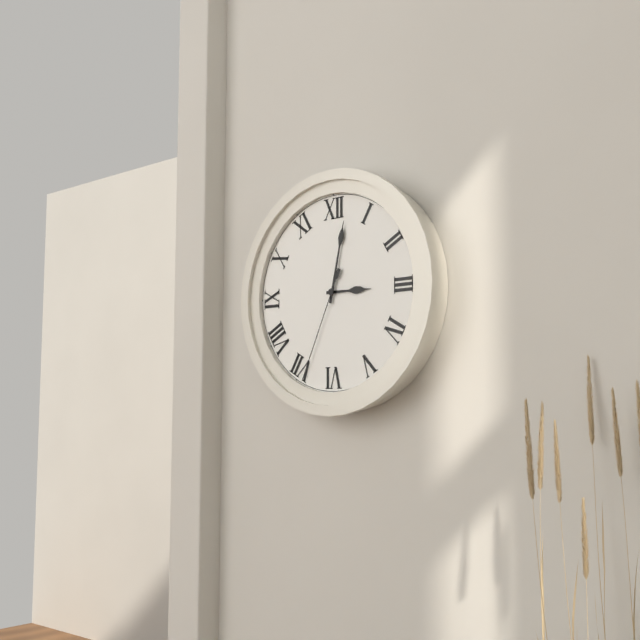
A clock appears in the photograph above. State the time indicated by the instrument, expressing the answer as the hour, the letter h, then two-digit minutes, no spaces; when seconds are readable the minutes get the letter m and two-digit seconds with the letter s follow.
3h02m34s
